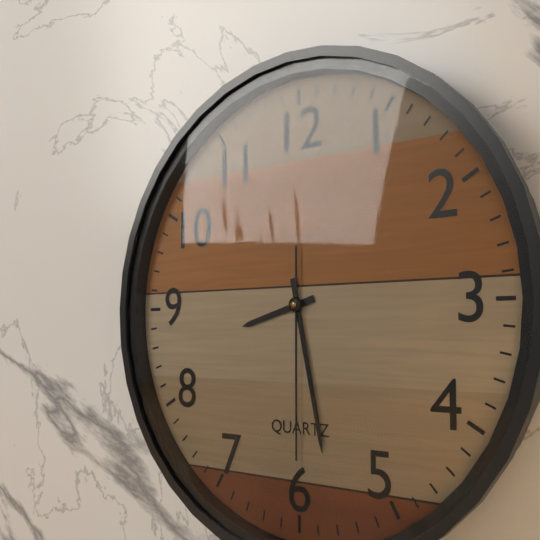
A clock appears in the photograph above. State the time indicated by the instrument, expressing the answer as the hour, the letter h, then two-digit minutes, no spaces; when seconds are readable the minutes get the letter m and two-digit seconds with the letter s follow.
8h28m30s
